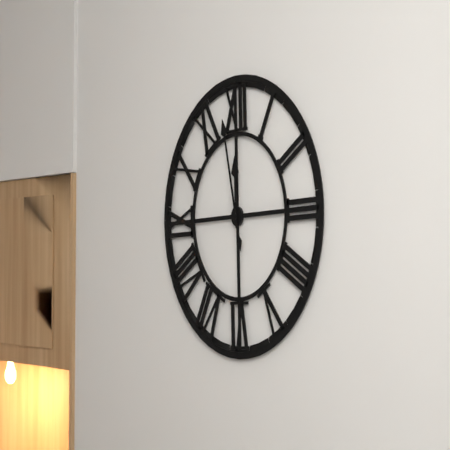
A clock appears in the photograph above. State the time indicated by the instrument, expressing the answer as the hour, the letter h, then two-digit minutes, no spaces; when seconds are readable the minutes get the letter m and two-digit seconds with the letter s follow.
11h58
